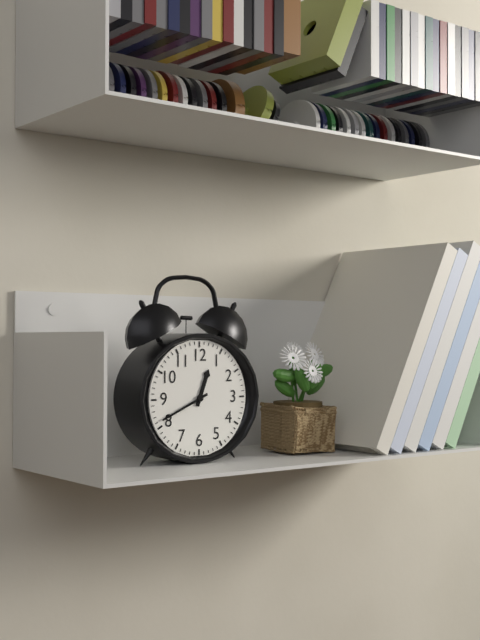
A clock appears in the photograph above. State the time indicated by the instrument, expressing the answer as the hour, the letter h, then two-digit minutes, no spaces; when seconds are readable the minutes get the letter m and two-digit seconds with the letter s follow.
12h41
